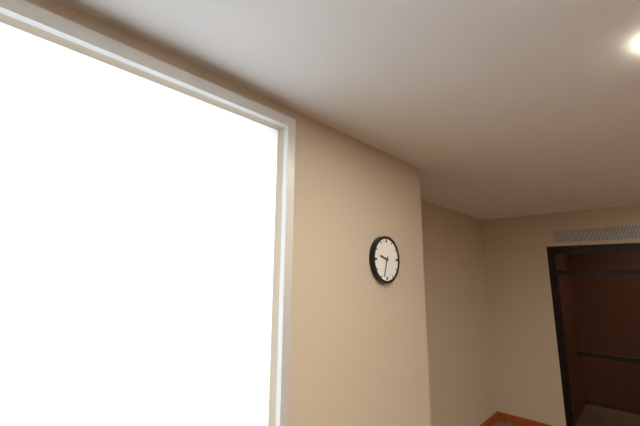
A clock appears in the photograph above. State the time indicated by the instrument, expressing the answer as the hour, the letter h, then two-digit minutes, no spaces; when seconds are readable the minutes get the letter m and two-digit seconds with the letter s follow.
9h33
